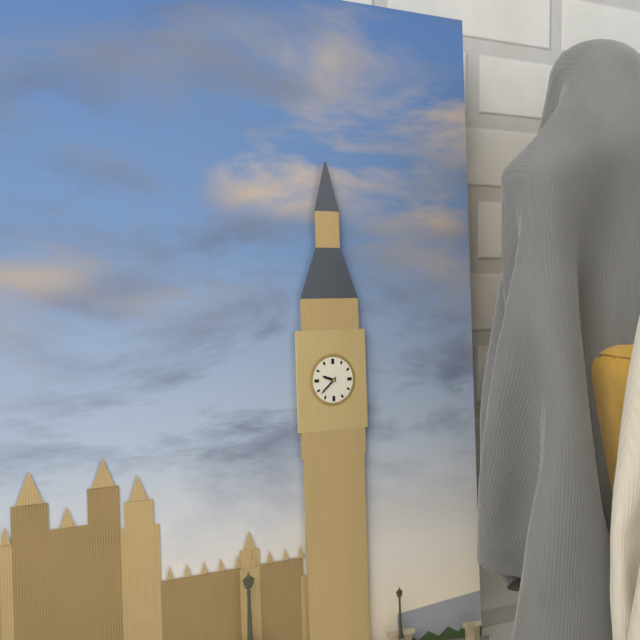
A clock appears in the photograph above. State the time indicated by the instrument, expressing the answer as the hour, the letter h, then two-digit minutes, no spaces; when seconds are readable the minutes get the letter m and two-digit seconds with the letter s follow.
9h38
